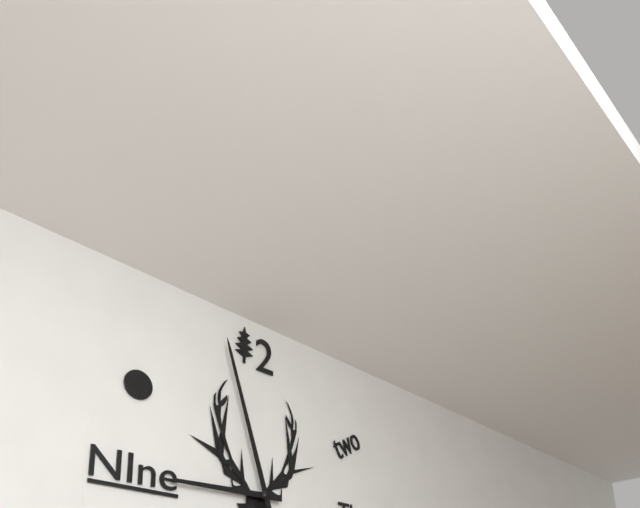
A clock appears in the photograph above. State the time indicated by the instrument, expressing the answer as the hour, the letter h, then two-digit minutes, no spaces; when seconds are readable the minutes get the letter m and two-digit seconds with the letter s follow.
8h57
